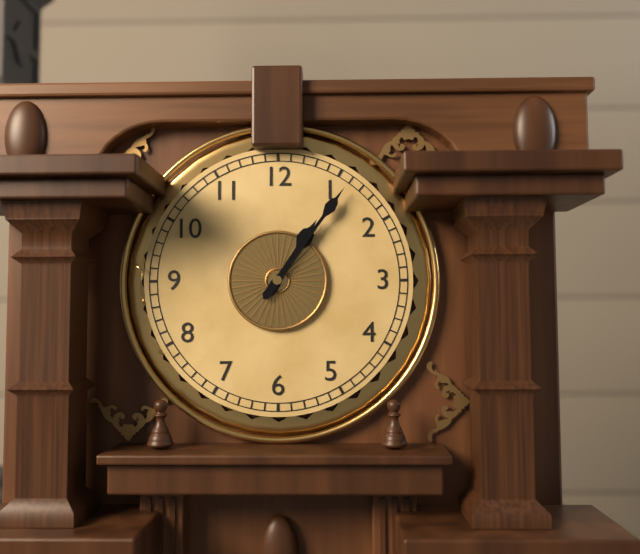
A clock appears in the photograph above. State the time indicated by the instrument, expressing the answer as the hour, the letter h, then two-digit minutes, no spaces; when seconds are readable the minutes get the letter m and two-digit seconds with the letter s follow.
1h06
